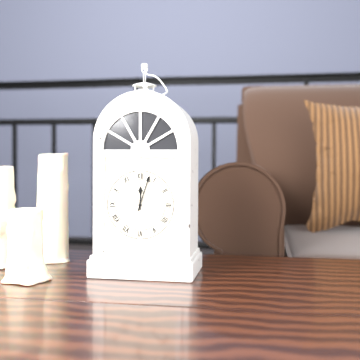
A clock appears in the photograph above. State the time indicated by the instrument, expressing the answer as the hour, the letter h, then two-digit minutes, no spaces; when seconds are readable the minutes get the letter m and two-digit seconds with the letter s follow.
12h03
